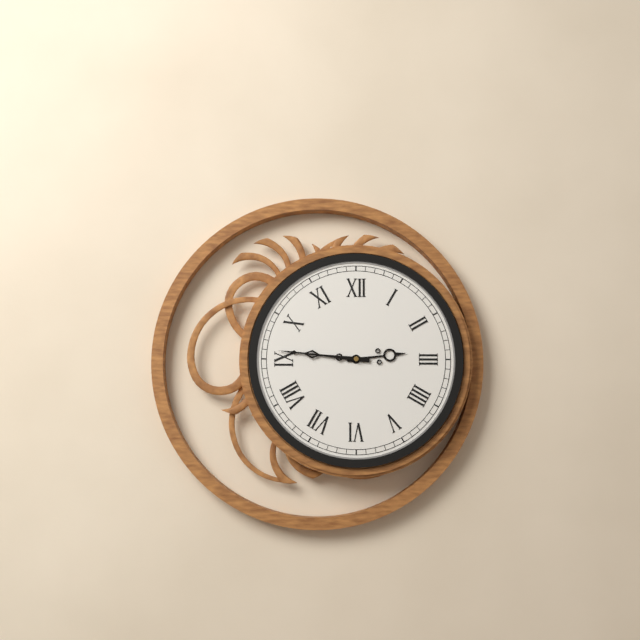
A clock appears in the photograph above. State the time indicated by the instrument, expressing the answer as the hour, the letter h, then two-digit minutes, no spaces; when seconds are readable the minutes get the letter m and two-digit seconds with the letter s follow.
2h46
